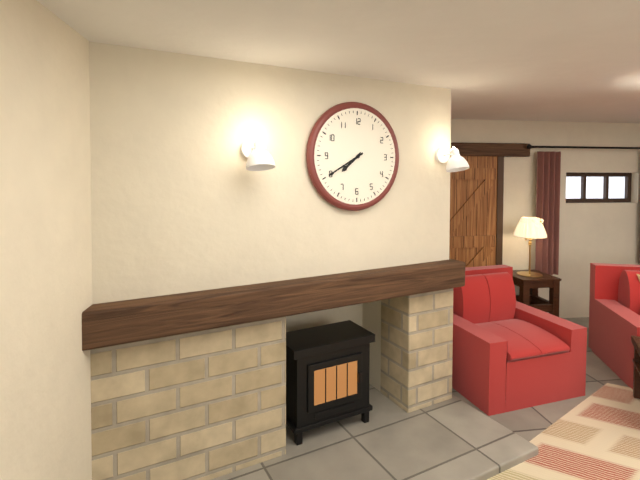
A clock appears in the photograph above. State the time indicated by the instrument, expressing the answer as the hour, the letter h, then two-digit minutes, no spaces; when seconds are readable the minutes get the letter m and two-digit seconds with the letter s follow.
7h40
